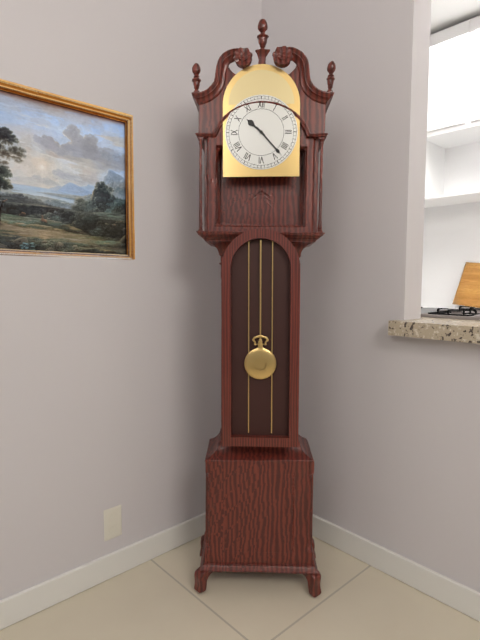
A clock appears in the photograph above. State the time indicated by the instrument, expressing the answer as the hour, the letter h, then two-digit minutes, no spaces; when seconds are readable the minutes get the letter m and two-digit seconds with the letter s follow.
10h23
